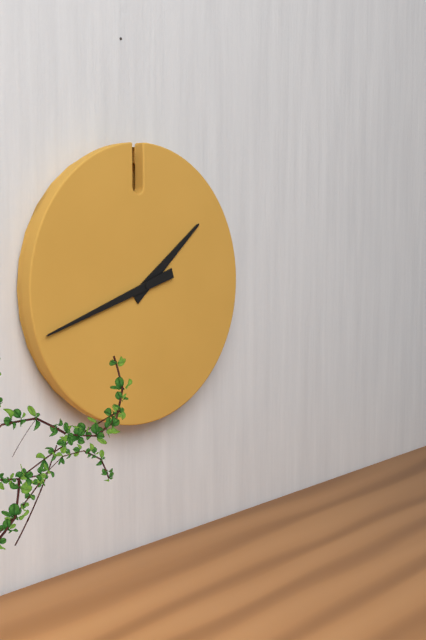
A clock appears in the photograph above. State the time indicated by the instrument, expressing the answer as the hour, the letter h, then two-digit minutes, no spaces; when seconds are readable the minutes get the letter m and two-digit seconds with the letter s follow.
1h42
